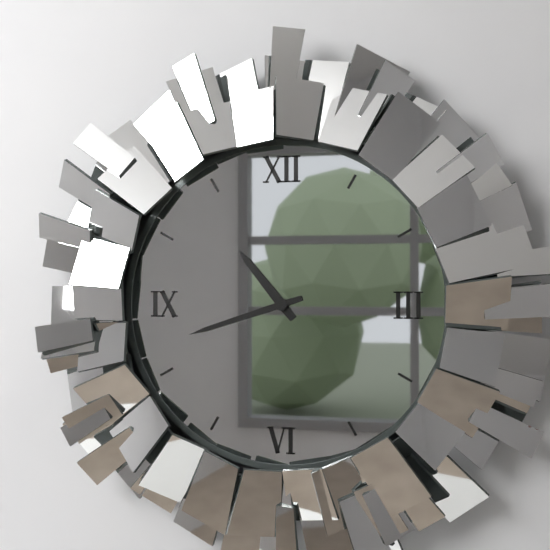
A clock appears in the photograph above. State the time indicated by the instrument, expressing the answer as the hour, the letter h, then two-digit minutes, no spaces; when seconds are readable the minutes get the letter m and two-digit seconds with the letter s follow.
10h42
